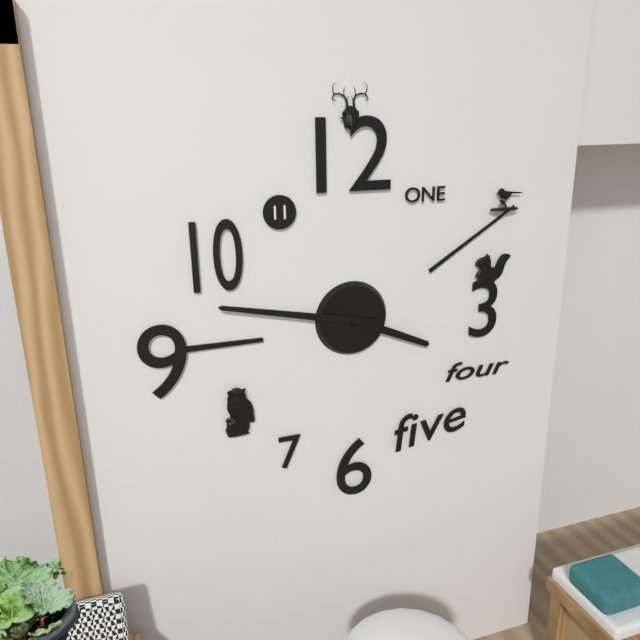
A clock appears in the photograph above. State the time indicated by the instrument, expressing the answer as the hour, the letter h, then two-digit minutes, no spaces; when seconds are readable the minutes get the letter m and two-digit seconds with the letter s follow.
3h47
